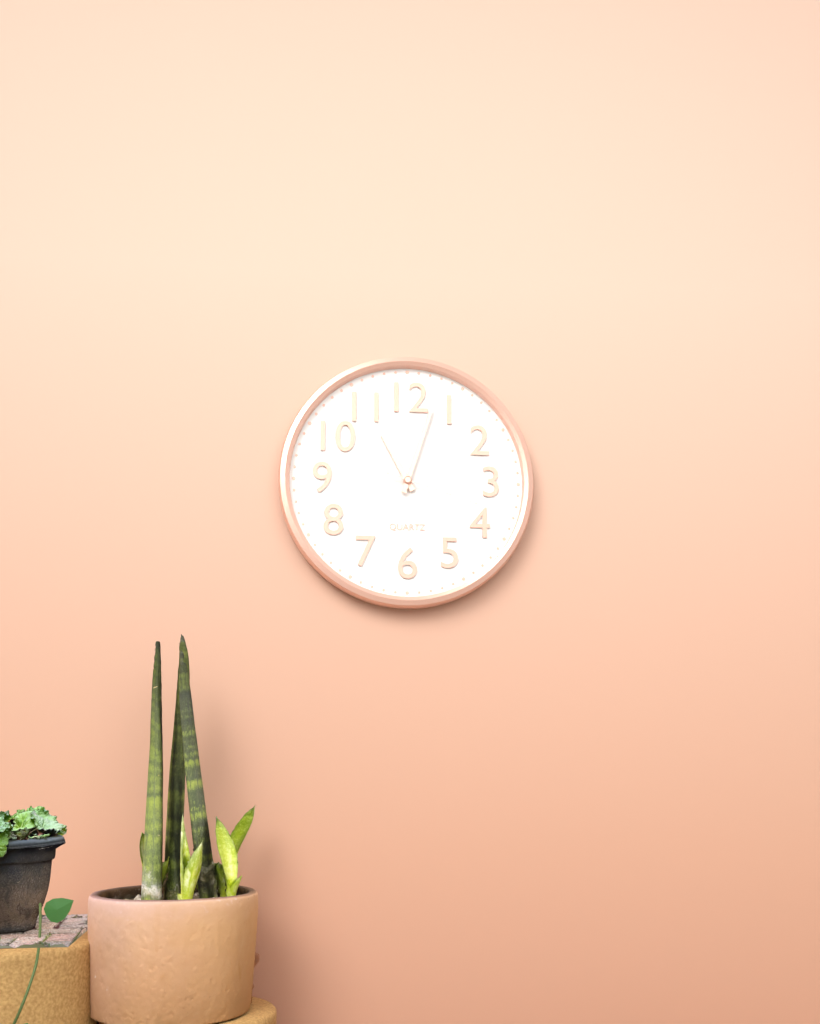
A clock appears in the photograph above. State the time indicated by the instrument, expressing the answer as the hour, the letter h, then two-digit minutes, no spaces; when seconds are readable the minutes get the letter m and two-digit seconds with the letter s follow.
11h03m18s
